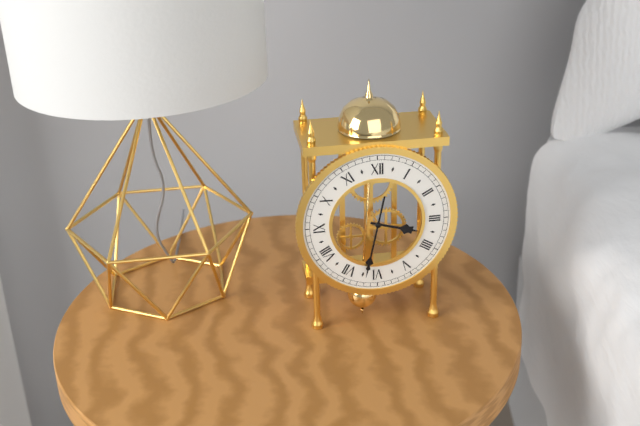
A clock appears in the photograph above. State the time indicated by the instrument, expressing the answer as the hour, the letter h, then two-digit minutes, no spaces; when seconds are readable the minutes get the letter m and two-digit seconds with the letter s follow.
3h32
